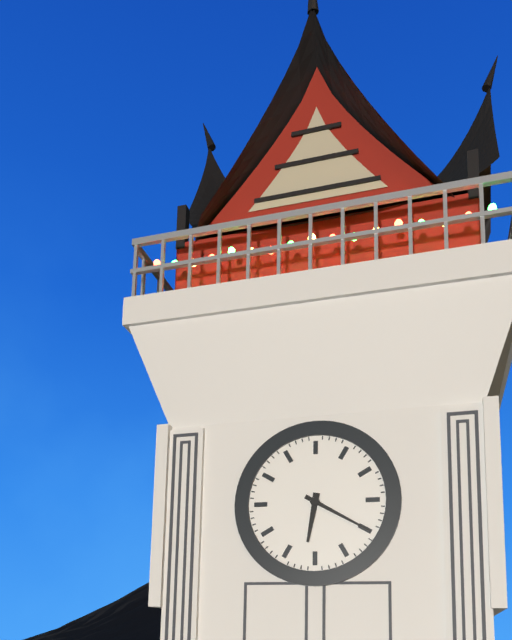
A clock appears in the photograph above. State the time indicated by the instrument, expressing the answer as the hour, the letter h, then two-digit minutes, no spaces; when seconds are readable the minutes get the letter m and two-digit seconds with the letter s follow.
6h20
